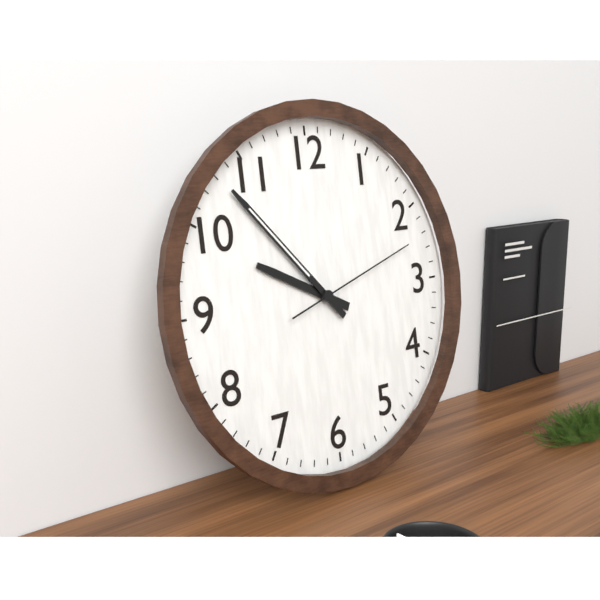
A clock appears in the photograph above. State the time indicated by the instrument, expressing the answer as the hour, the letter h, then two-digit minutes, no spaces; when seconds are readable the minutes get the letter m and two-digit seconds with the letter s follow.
9h53m12s
